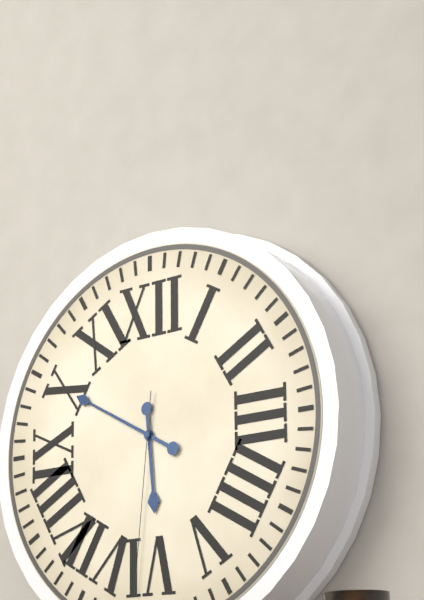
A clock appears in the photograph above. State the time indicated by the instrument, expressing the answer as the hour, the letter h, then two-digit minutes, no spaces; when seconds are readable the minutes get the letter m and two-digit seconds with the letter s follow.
5h50m31s
